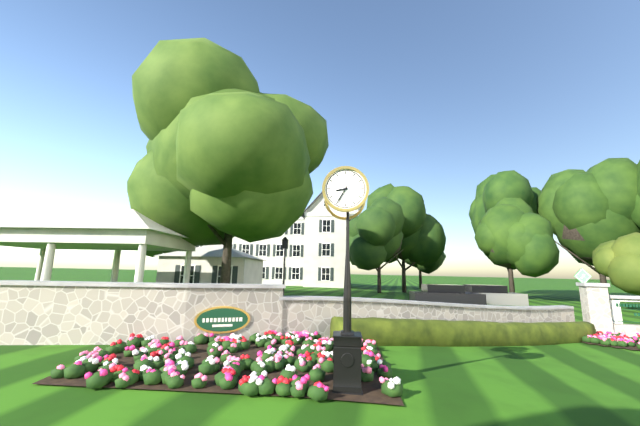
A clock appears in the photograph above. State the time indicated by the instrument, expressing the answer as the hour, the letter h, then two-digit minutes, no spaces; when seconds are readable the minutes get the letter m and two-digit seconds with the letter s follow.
8h35
